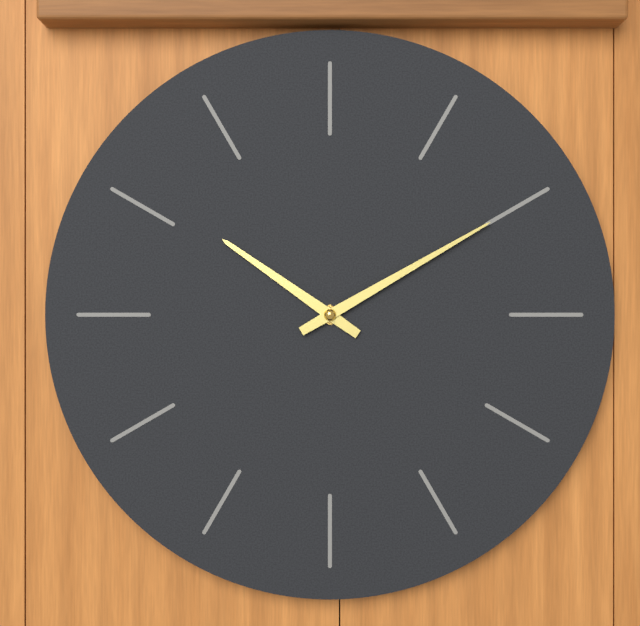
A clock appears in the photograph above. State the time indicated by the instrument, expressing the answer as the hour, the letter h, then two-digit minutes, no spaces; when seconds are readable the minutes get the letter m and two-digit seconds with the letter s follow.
10h10
